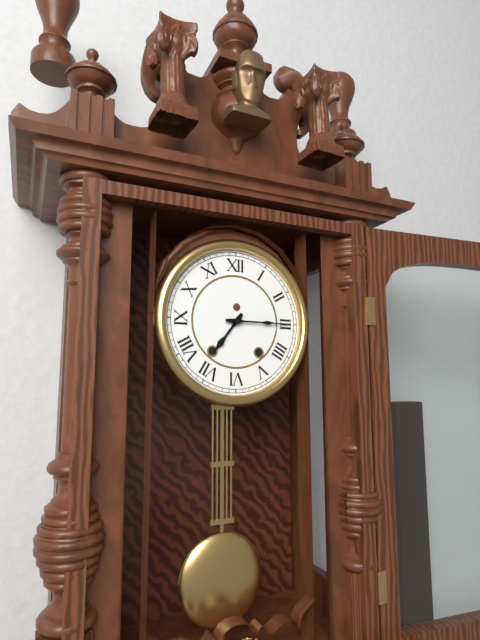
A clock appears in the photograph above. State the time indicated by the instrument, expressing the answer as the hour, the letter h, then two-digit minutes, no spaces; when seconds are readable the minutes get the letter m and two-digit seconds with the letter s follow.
7h15
